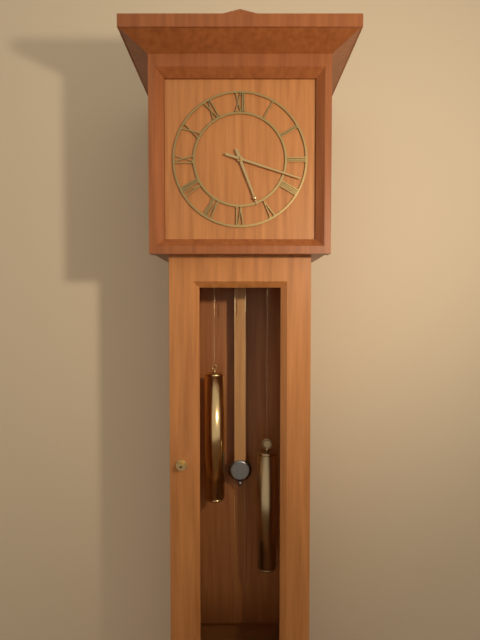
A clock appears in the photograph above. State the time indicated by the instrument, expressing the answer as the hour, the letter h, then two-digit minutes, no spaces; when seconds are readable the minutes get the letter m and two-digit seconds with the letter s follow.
5h18
